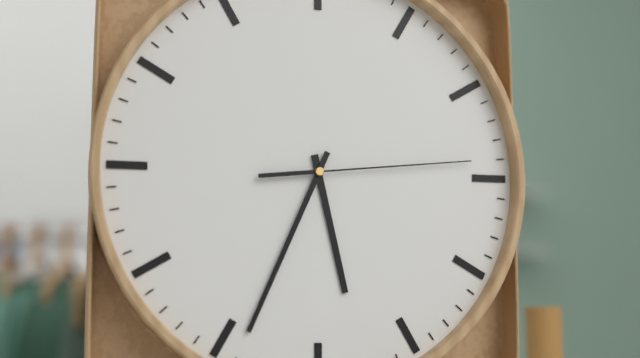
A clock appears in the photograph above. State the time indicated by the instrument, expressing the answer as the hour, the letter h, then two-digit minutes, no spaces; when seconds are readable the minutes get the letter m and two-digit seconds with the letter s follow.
5h34m14s
